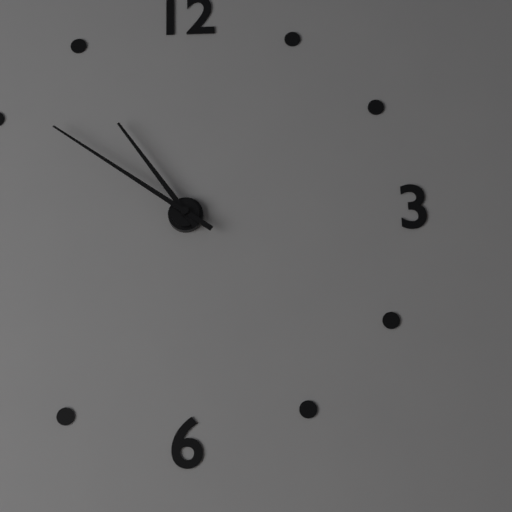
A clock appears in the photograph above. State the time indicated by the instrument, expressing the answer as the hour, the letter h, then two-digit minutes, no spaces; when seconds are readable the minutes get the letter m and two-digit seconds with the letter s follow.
10h51
